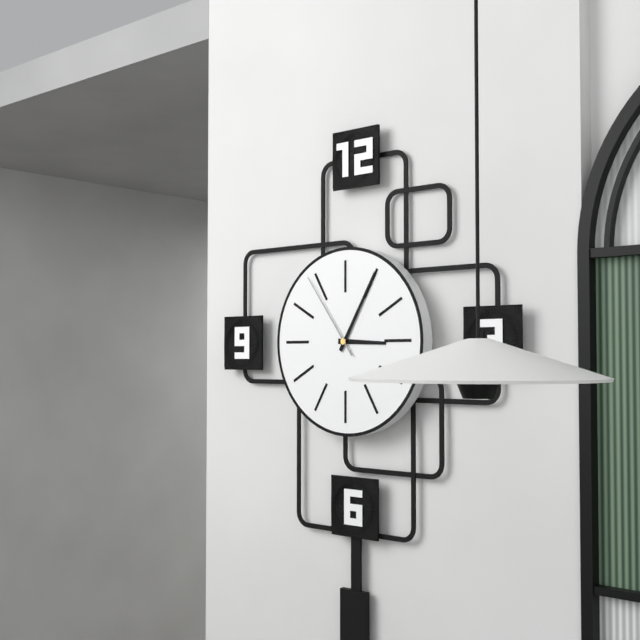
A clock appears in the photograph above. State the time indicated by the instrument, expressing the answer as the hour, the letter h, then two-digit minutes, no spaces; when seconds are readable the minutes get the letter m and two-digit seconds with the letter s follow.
3h05m54s
